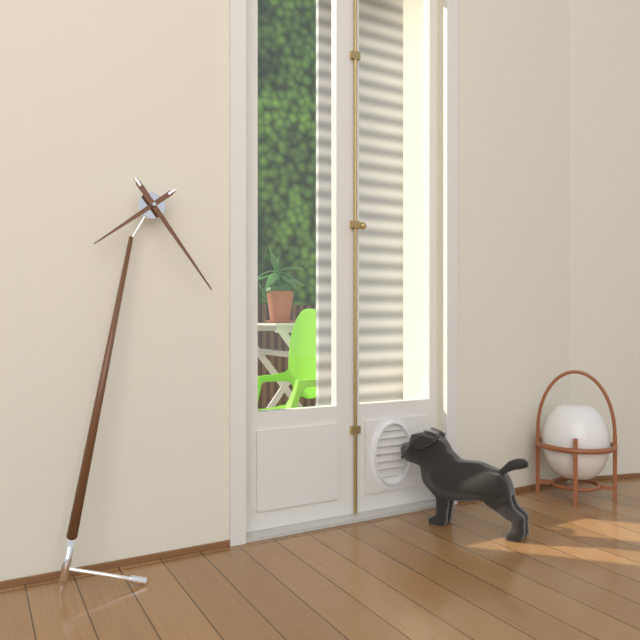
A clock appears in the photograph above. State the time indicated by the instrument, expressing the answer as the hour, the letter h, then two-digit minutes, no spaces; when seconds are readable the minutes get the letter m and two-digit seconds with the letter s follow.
7h22
